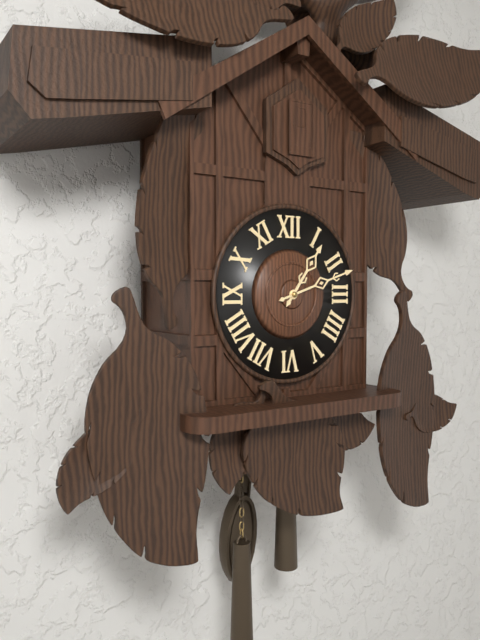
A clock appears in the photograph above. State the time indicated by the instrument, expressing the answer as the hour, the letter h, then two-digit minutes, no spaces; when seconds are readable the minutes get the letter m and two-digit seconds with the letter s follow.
1h12
